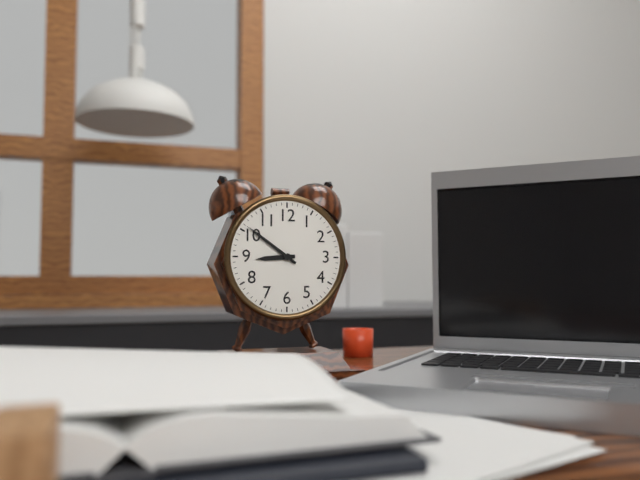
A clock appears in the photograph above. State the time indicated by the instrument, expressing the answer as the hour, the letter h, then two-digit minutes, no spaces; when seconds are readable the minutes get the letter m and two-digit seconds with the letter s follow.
8h51
